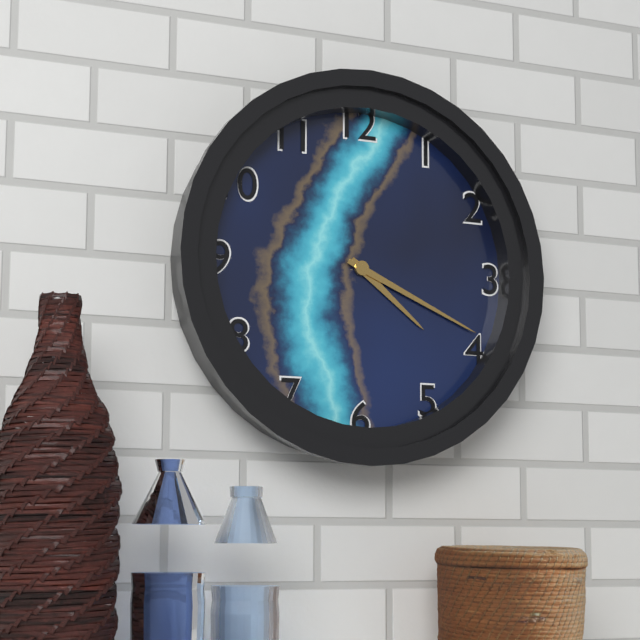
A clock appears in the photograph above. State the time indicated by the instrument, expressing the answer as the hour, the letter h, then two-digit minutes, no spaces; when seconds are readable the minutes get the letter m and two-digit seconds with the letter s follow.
4h19
